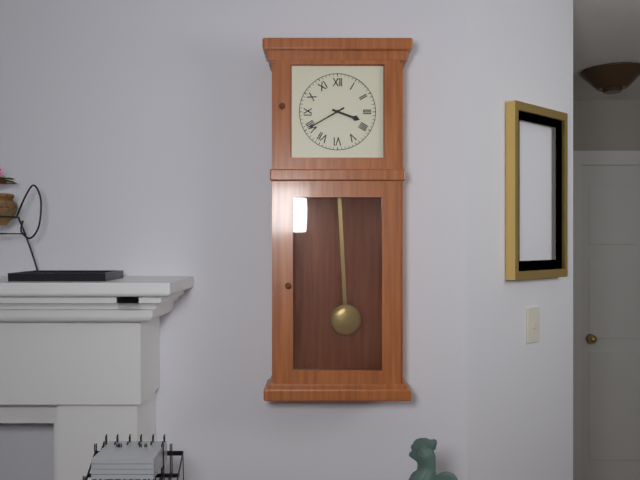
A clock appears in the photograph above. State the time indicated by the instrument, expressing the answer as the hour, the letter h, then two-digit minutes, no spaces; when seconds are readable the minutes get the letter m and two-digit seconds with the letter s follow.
3h40
